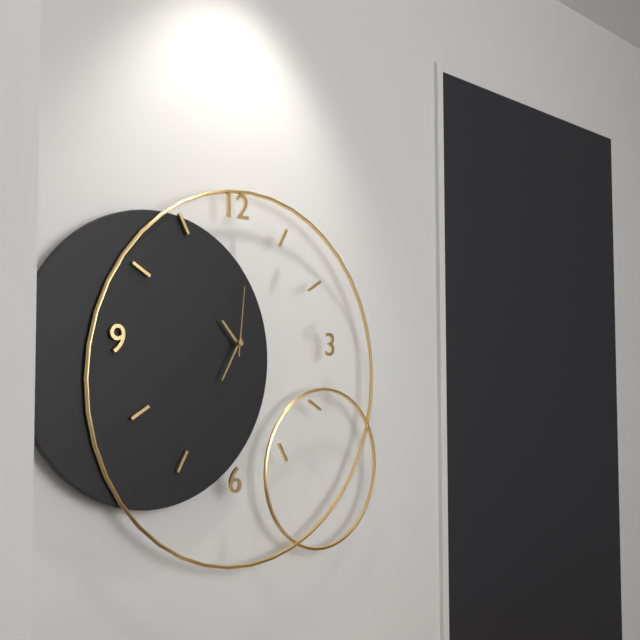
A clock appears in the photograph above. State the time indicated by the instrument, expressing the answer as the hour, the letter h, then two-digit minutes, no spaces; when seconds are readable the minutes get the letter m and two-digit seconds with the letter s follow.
10h35m01s
